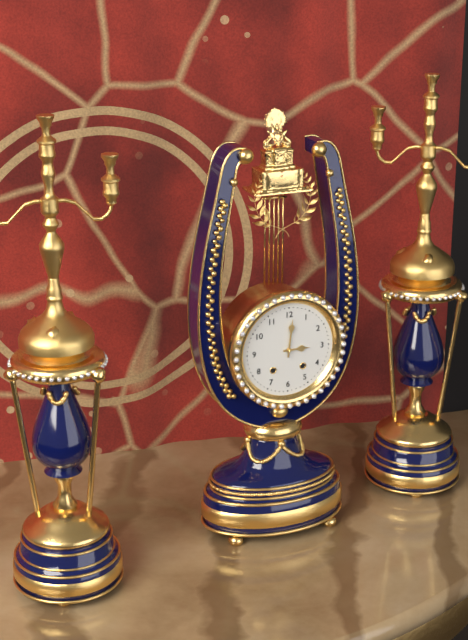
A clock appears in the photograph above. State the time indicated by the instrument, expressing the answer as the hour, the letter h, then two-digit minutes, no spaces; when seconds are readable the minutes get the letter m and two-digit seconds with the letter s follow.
3h01
